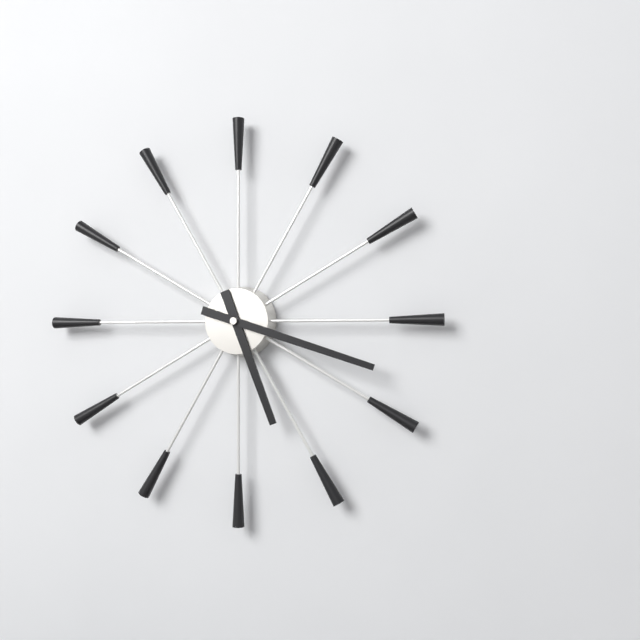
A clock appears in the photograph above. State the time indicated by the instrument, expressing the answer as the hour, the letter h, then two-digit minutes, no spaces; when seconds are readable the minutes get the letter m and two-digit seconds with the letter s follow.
5h18
